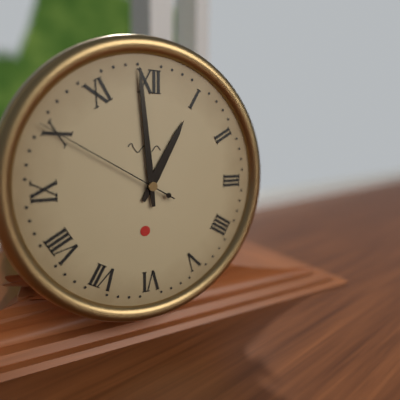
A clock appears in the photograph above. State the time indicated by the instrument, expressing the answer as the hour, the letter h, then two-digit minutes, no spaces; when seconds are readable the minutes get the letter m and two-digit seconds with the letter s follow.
12h59m50s
